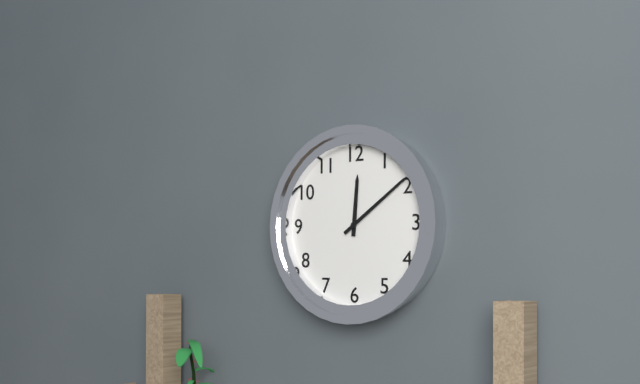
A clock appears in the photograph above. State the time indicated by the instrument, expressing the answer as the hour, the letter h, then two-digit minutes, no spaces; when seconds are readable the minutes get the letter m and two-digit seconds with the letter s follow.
12h09
